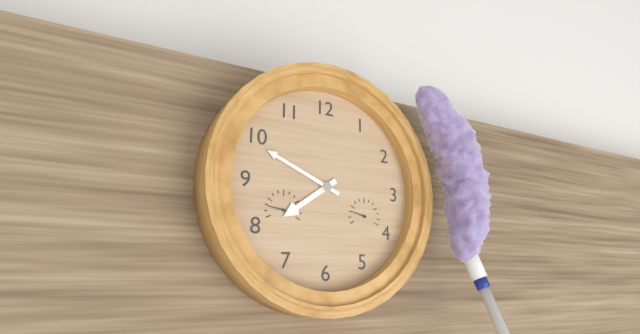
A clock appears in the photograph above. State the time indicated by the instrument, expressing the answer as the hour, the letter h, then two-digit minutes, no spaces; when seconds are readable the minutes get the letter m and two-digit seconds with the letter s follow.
7h49
